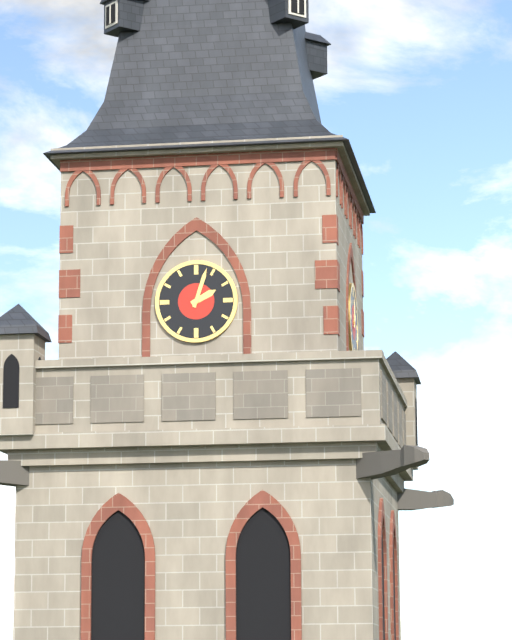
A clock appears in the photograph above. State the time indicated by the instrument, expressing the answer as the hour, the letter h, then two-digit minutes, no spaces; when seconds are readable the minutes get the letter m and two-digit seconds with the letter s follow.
2h03
